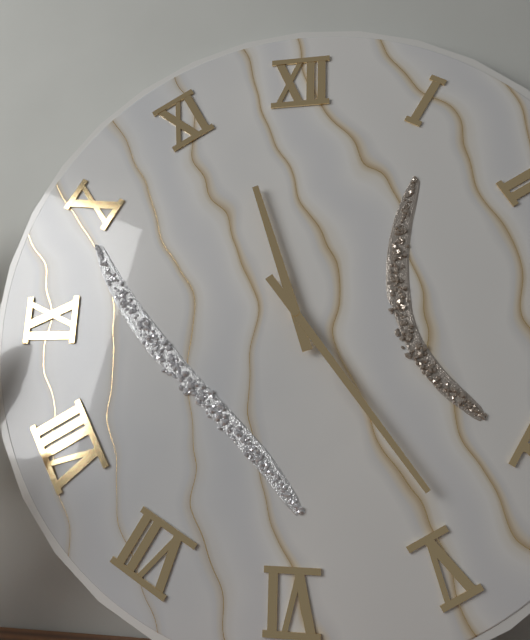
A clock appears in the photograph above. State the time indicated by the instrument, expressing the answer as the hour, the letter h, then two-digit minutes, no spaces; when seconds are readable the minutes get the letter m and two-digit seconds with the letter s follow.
11h24
